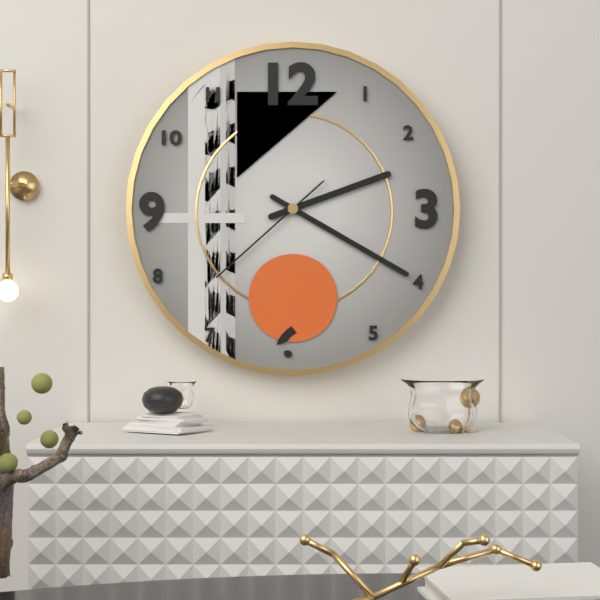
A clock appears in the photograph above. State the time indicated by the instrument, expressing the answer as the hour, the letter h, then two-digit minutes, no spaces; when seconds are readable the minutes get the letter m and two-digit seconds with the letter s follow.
2h20m38s
